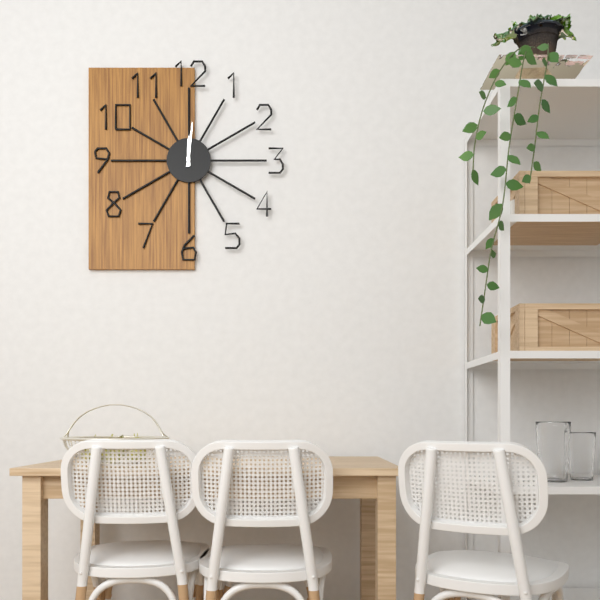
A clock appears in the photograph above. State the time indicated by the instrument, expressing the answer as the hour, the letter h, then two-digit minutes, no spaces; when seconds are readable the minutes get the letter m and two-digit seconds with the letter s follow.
12h01
